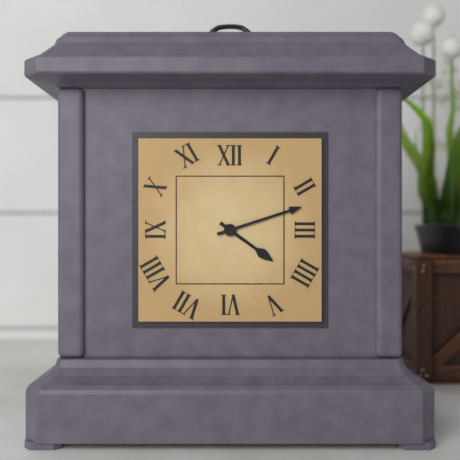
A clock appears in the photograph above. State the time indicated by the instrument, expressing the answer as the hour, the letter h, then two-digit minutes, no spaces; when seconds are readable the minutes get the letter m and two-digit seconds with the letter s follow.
4h12
